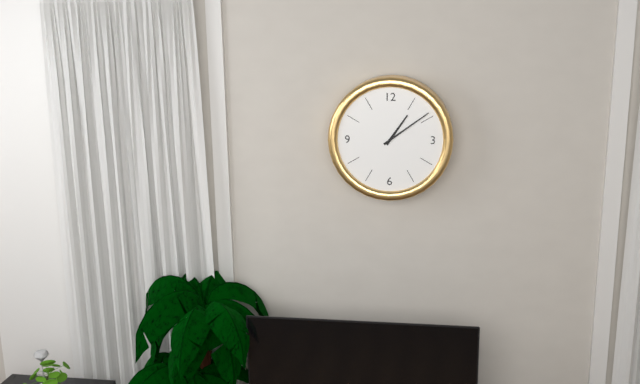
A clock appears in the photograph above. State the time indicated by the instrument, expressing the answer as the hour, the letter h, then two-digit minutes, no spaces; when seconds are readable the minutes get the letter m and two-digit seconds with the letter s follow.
1h09
